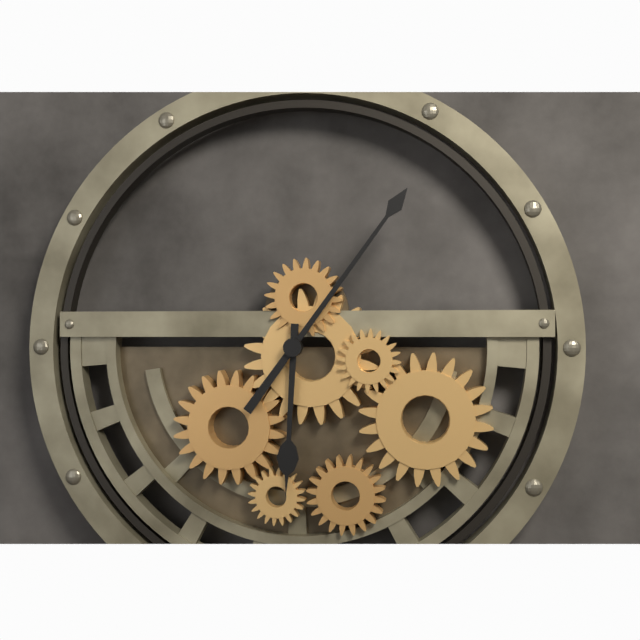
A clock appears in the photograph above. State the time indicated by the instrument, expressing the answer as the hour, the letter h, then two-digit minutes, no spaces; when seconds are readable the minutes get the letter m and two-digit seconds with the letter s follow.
6h06
